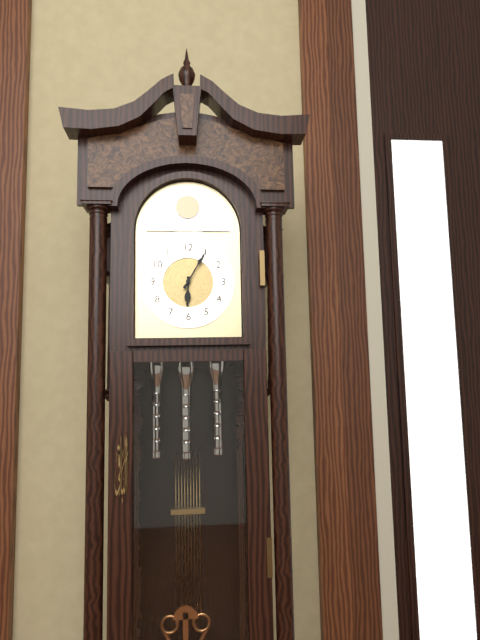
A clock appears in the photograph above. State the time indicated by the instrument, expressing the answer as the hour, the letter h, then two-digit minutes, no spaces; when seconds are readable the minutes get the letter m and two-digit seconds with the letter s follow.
6h05
